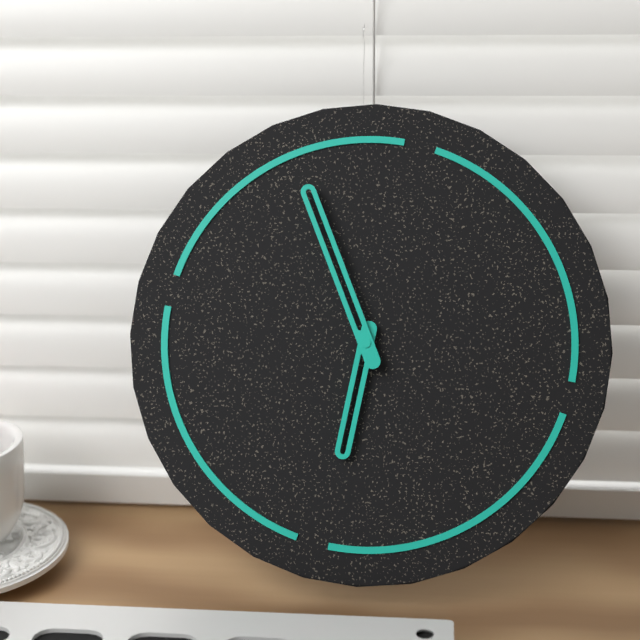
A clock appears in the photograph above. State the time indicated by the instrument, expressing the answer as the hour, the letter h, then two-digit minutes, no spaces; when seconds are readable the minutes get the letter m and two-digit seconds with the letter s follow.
5h54
